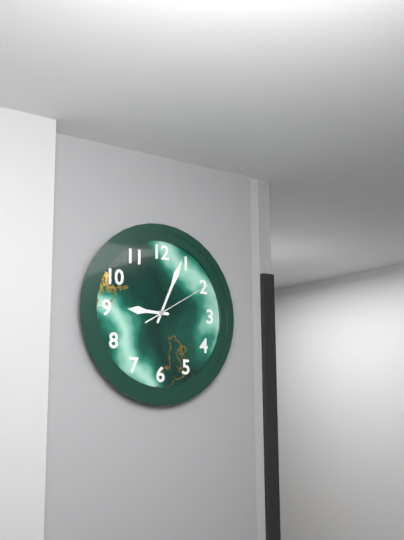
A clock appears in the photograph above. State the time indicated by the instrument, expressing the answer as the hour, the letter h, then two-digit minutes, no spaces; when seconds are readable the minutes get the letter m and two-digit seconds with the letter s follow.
9h04m10s
